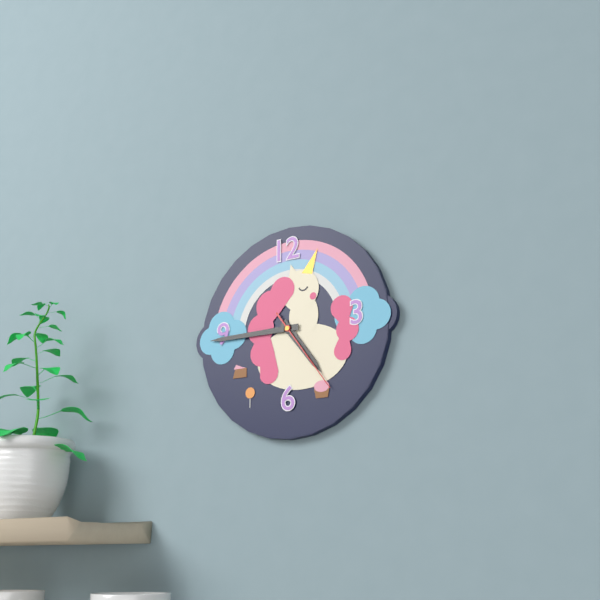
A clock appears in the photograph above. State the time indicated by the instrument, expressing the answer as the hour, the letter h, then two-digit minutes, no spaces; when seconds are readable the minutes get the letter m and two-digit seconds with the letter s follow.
4h45m24s
